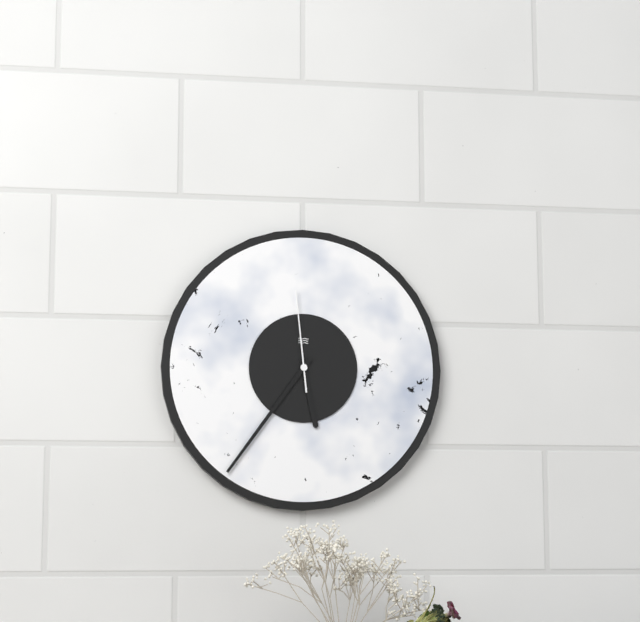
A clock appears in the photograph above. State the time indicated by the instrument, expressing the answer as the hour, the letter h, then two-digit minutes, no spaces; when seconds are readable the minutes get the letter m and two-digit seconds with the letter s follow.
5h36m59s
